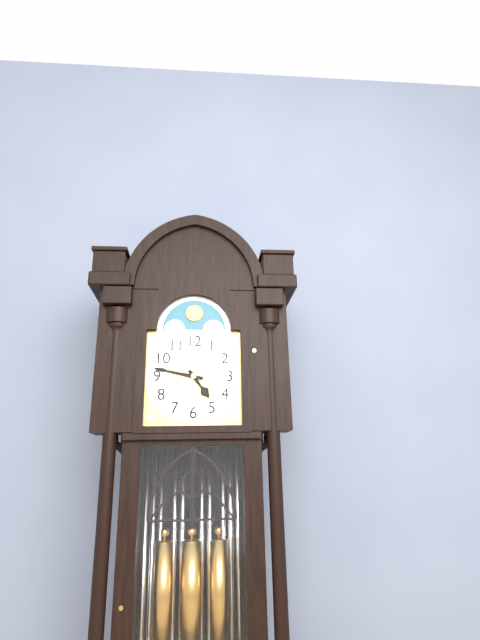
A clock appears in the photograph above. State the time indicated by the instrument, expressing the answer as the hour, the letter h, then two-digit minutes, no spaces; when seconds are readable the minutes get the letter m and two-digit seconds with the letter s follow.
4h47
